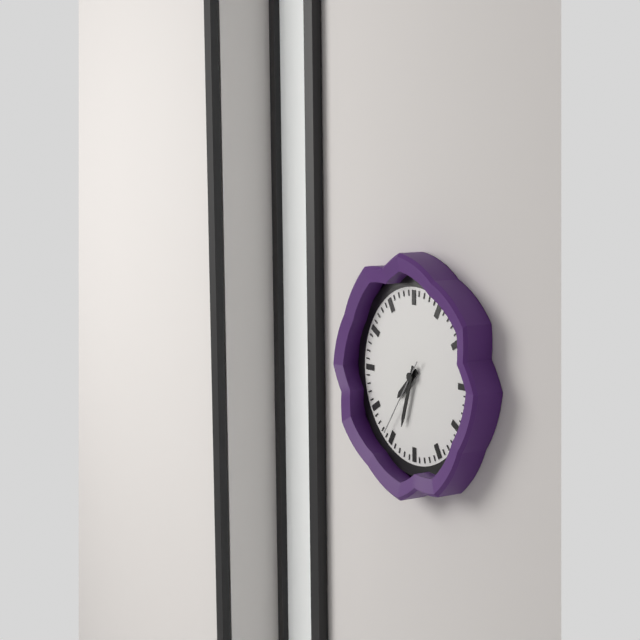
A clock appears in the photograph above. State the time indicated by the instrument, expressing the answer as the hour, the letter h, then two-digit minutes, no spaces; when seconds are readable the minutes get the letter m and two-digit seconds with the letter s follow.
7h33m36s
